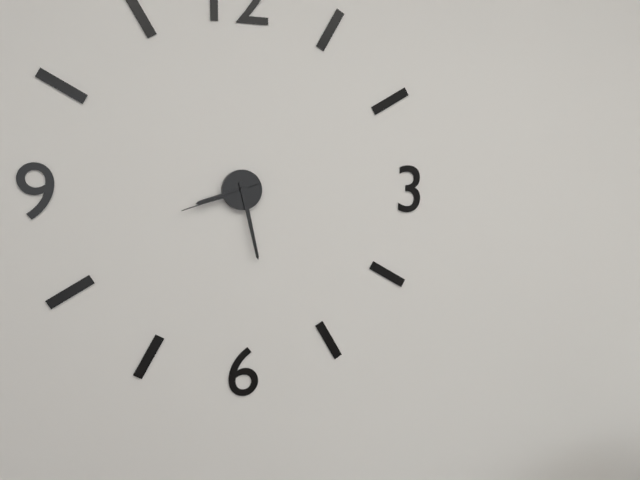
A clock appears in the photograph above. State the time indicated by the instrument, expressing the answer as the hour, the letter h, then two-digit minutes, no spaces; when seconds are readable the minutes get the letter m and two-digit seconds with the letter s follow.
8h28m42s
